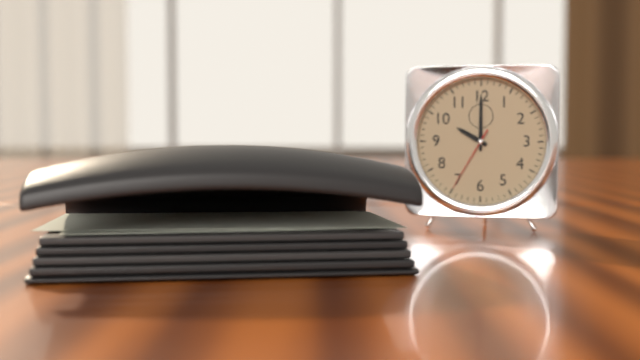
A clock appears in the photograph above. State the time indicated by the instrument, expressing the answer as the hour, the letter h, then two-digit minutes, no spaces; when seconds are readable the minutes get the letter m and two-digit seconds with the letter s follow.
10h00m35s
